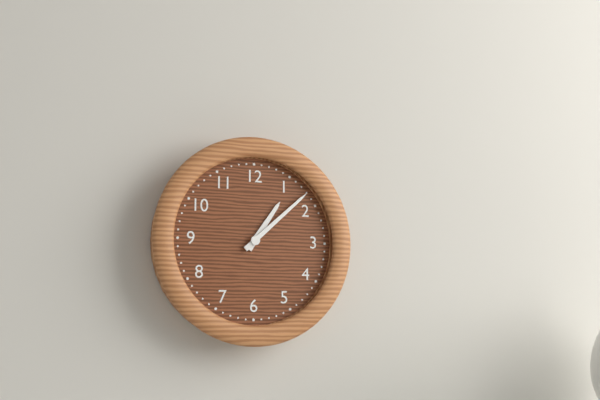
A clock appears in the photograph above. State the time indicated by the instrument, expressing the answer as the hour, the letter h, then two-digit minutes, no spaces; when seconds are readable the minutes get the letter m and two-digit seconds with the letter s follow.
1h08
